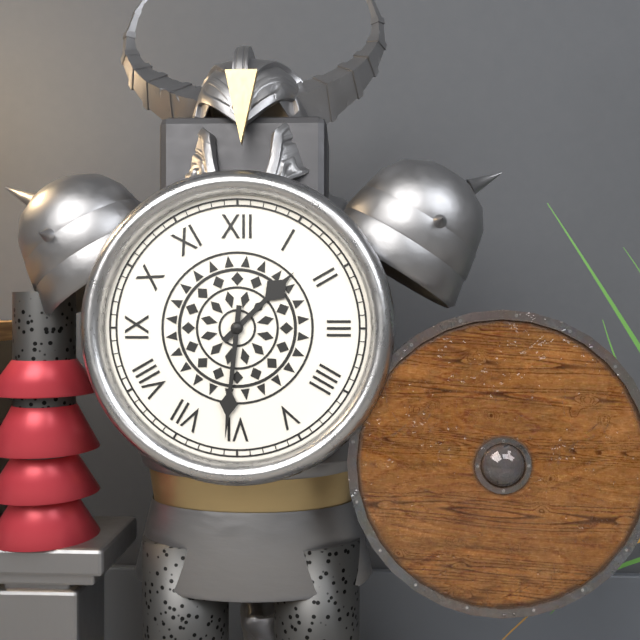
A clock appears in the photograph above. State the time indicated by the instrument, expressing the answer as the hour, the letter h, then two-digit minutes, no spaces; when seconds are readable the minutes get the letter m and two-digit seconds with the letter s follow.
1h31
